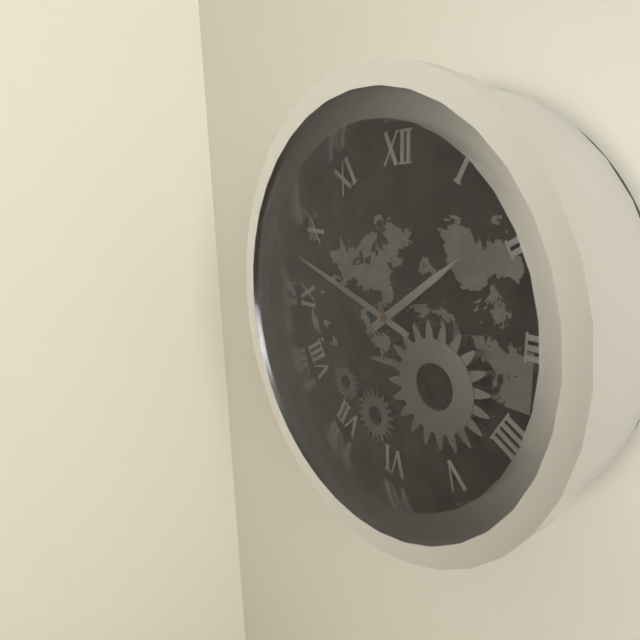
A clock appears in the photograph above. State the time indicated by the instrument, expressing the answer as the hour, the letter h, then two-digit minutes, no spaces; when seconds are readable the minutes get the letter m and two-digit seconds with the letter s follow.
1h48
